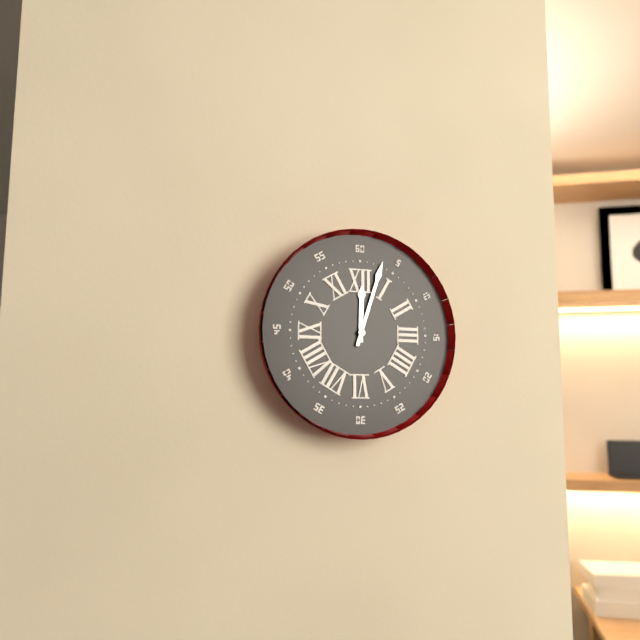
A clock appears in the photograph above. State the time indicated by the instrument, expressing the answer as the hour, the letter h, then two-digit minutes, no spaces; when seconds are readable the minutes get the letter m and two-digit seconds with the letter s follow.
12h03
